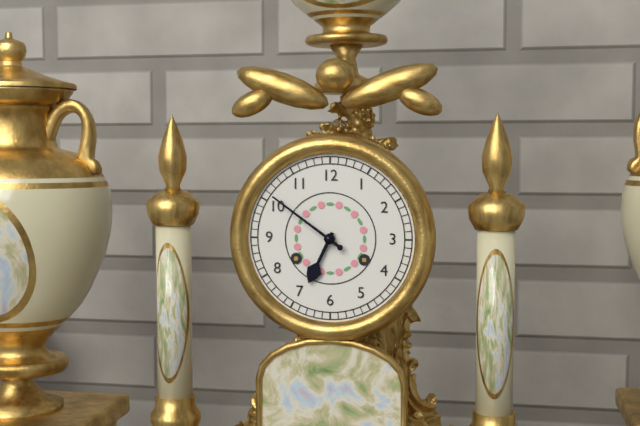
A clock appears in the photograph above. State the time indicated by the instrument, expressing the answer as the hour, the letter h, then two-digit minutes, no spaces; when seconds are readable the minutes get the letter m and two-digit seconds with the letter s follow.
6h51
